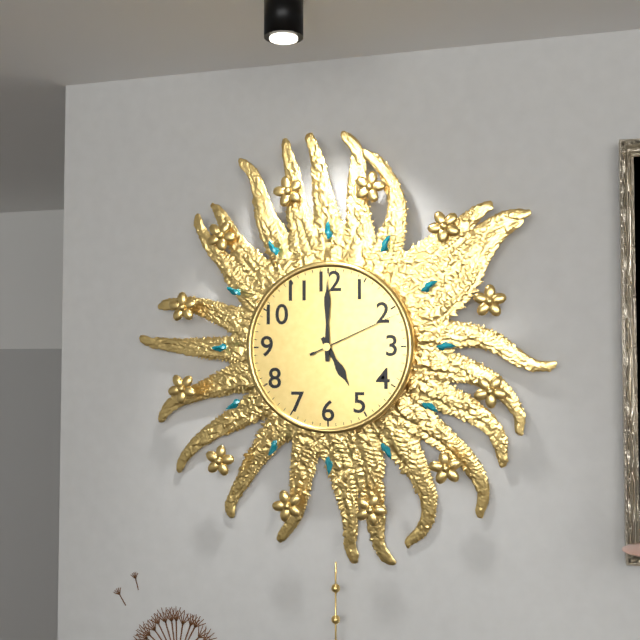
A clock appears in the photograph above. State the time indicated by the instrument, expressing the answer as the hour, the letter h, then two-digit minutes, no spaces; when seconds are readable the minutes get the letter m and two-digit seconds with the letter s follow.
5h00m11s
